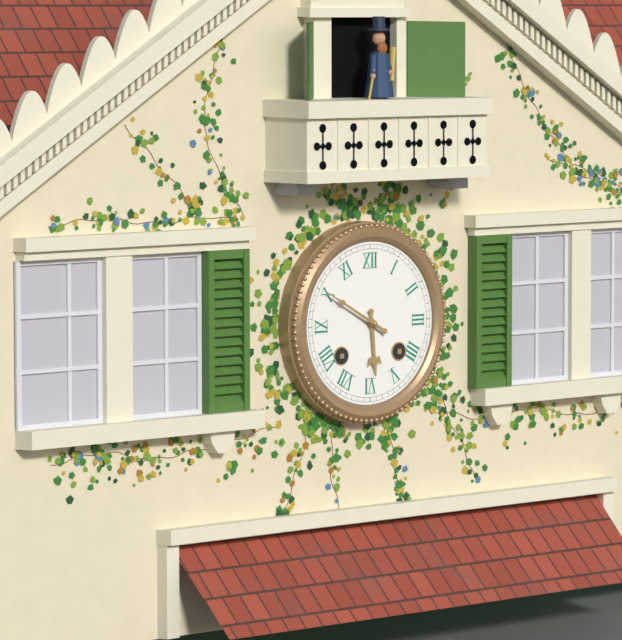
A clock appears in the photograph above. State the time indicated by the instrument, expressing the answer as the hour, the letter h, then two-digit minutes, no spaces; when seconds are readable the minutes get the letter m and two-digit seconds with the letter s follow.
5h50
